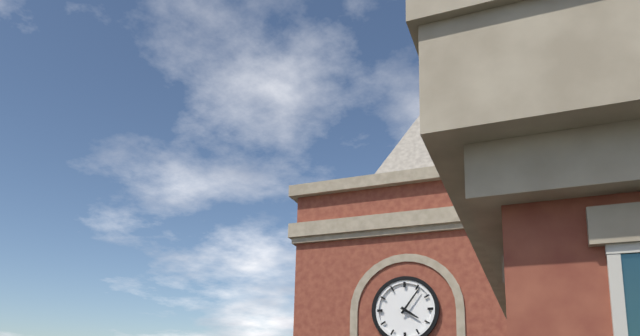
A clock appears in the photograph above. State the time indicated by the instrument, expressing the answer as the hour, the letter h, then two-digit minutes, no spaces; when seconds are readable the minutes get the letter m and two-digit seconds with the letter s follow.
4h06
